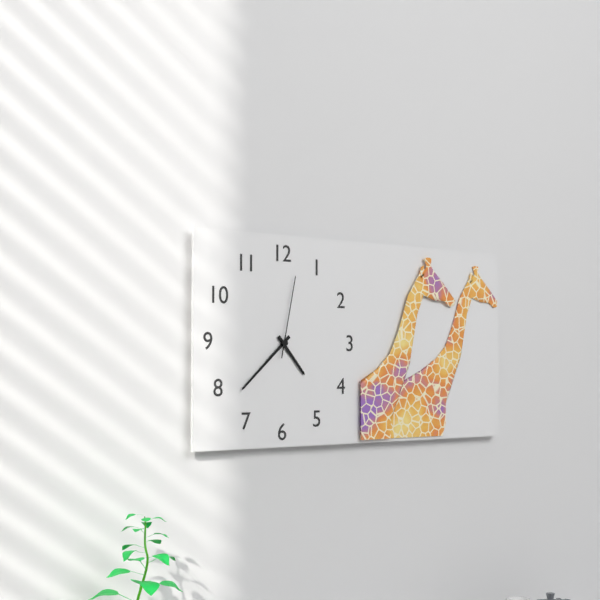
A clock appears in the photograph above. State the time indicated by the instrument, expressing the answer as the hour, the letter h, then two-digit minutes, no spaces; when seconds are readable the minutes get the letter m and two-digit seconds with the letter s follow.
4h38m02s
